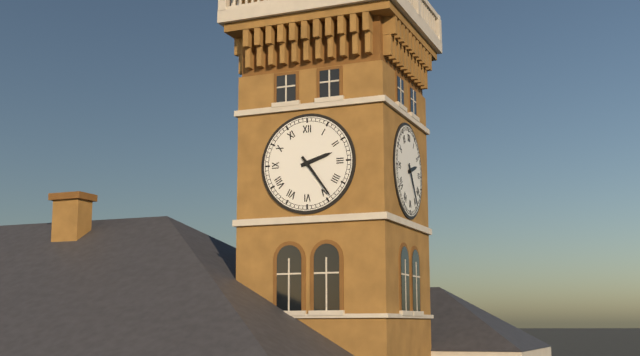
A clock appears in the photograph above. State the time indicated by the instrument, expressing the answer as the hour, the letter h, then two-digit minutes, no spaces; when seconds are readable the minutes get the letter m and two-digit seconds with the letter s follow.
2h24
